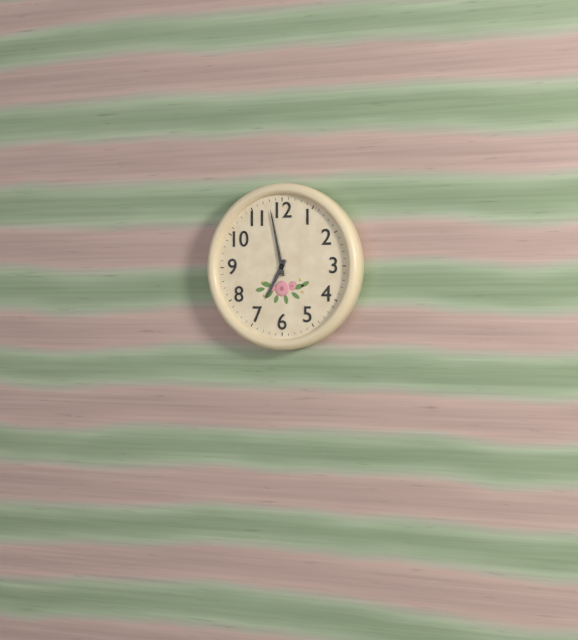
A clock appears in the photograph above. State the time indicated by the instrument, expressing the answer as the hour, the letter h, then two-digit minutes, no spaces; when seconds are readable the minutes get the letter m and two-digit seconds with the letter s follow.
6h58
